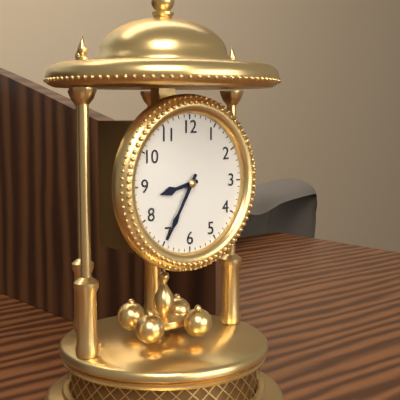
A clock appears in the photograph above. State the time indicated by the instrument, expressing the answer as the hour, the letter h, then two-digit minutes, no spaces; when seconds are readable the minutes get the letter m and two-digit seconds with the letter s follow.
8h35
